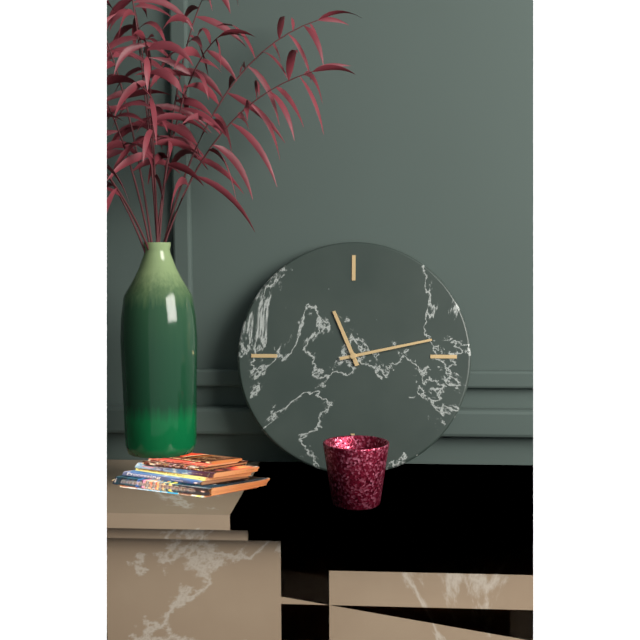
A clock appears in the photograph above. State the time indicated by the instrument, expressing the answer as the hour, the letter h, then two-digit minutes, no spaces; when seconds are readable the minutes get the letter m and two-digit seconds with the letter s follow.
11h13
